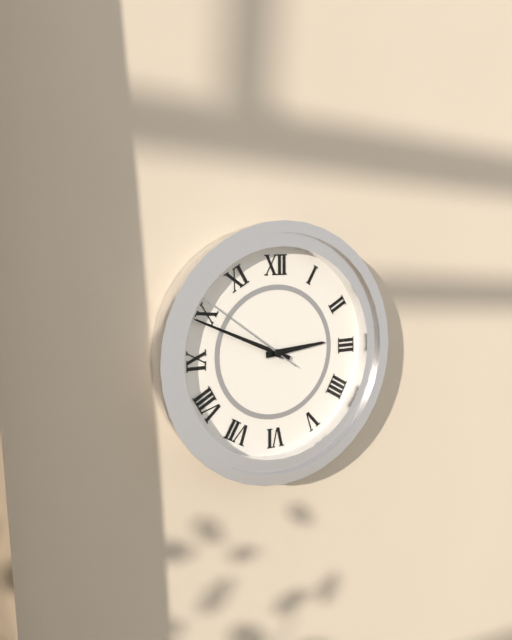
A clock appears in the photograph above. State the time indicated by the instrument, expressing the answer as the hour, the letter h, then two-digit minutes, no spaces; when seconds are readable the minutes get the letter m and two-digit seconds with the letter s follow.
2h49m51s
